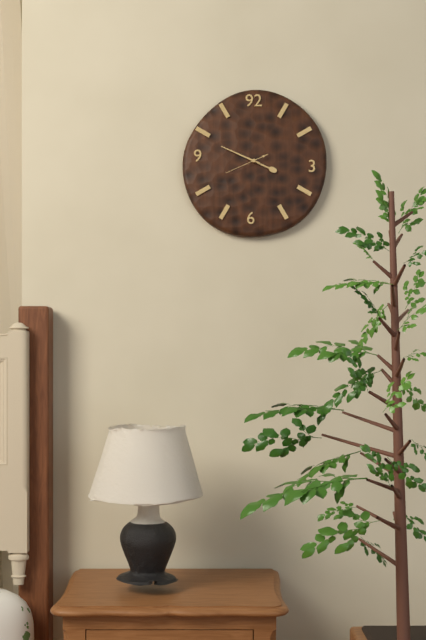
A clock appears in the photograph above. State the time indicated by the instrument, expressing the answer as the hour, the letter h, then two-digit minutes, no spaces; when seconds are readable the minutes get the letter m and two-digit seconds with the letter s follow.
3h49
